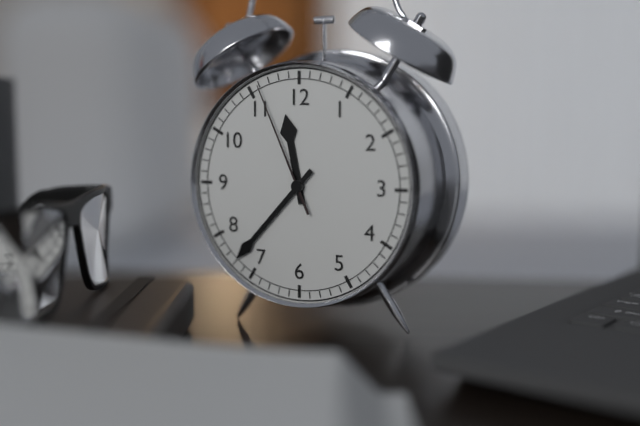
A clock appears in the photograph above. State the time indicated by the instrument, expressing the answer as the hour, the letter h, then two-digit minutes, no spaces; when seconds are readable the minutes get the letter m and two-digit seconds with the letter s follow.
11h37m56s
